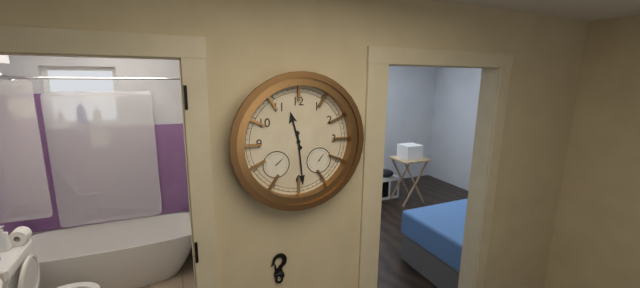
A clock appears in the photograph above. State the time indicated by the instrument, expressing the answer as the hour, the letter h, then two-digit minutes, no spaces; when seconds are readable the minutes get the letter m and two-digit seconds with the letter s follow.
11h29
